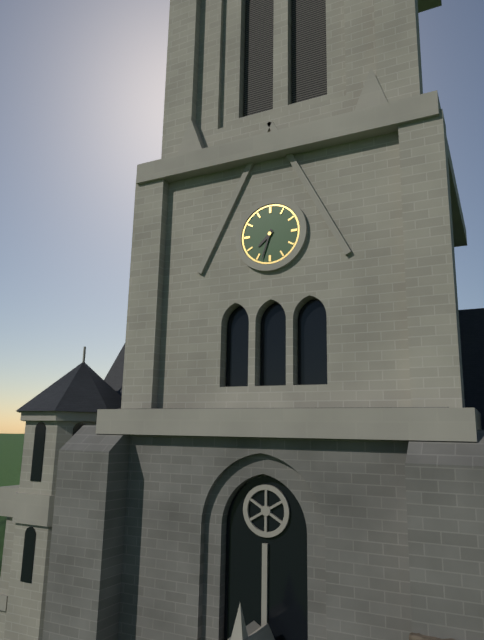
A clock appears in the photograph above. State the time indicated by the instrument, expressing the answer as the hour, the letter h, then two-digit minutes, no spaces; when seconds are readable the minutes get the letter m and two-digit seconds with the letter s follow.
7h33
